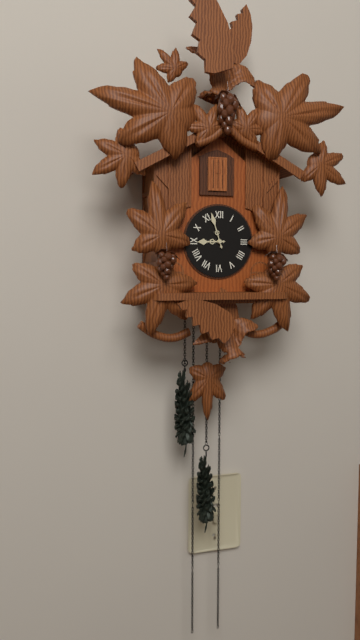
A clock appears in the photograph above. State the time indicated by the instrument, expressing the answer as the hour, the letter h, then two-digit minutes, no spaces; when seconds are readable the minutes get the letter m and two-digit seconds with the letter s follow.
8h57
